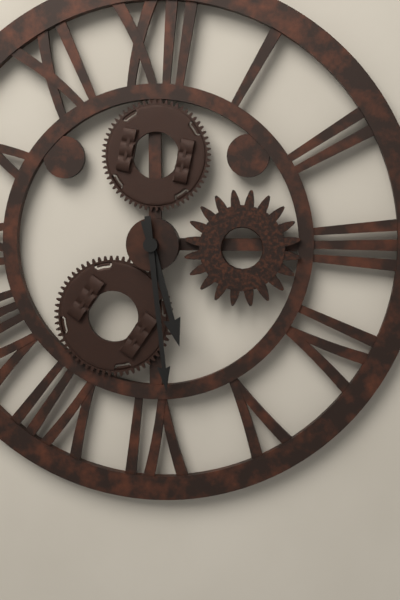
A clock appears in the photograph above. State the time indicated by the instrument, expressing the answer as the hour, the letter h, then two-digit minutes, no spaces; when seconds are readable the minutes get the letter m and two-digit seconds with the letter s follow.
5h29
